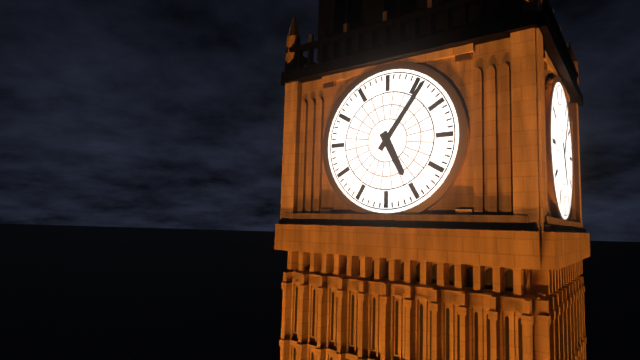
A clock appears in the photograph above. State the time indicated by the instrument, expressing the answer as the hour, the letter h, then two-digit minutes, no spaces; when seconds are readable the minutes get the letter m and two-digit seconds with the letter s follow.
5h06
